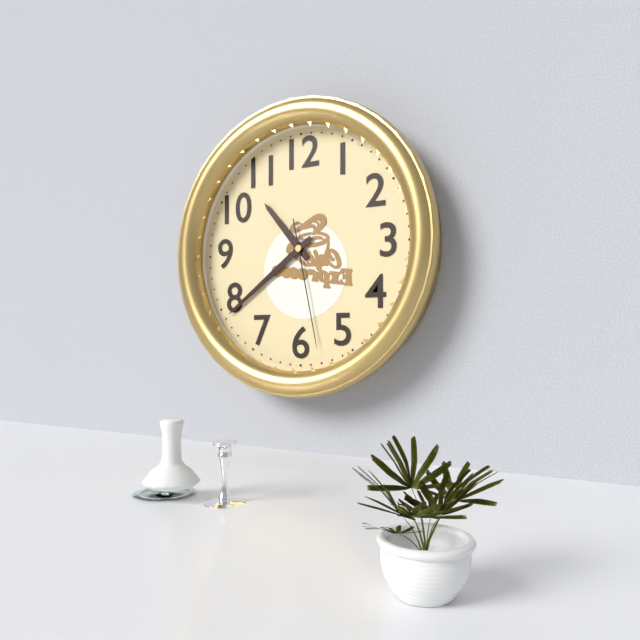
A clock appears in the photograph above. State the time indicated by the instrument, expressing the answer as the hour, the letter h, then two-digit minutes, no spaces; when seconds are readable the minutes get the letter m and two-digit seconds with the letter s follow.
10h39m28s
